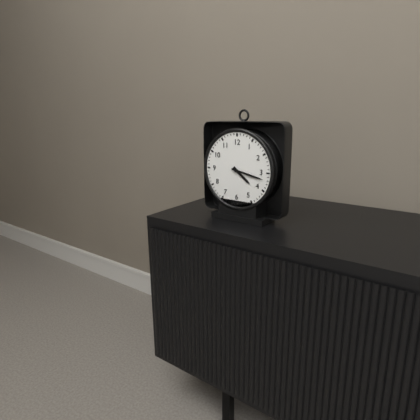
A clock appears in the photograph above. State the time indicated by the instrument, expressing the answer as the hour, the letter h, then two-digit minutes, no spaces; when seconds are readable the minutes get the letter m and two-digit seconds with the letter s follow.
4h17
